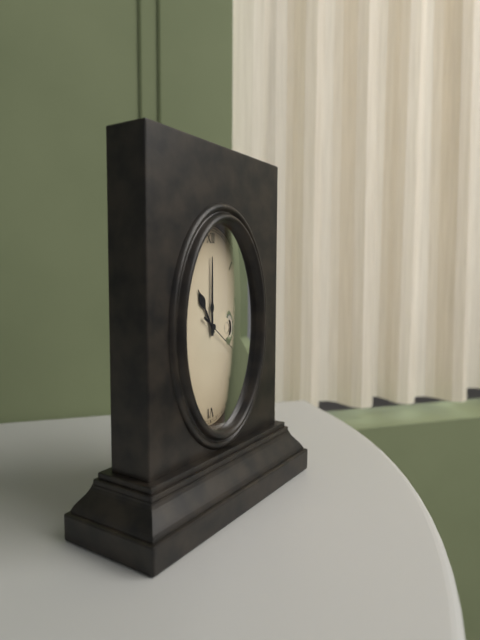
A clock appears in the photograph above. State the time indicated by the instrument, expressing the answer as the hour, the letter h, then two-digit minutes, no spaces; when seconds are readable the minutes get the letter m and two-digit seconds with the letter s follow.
11h00m21s
